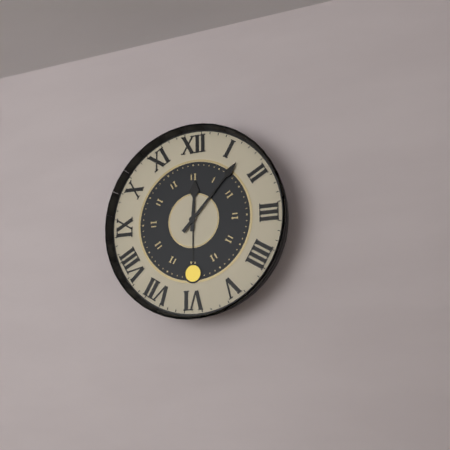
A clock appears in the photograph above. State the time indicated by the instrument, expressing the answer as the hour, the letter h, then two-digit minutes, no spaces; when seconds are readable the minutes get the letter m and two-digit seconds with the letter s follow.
12h07
